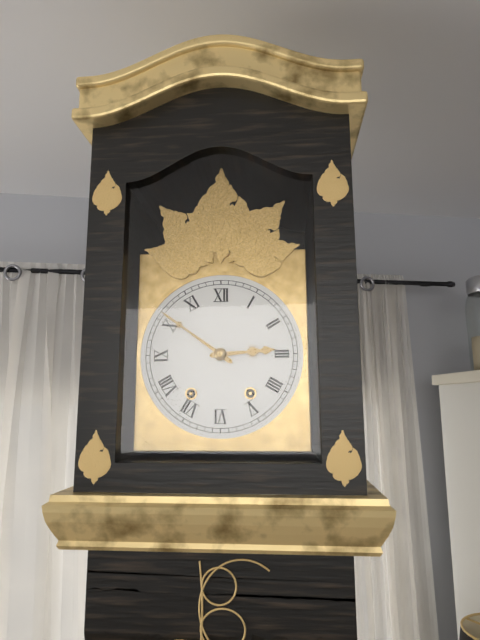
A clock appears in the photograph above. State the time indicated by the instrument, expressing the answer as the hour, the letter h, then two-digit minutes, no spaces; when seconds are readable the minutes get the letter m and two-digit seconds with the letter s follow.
2h51
